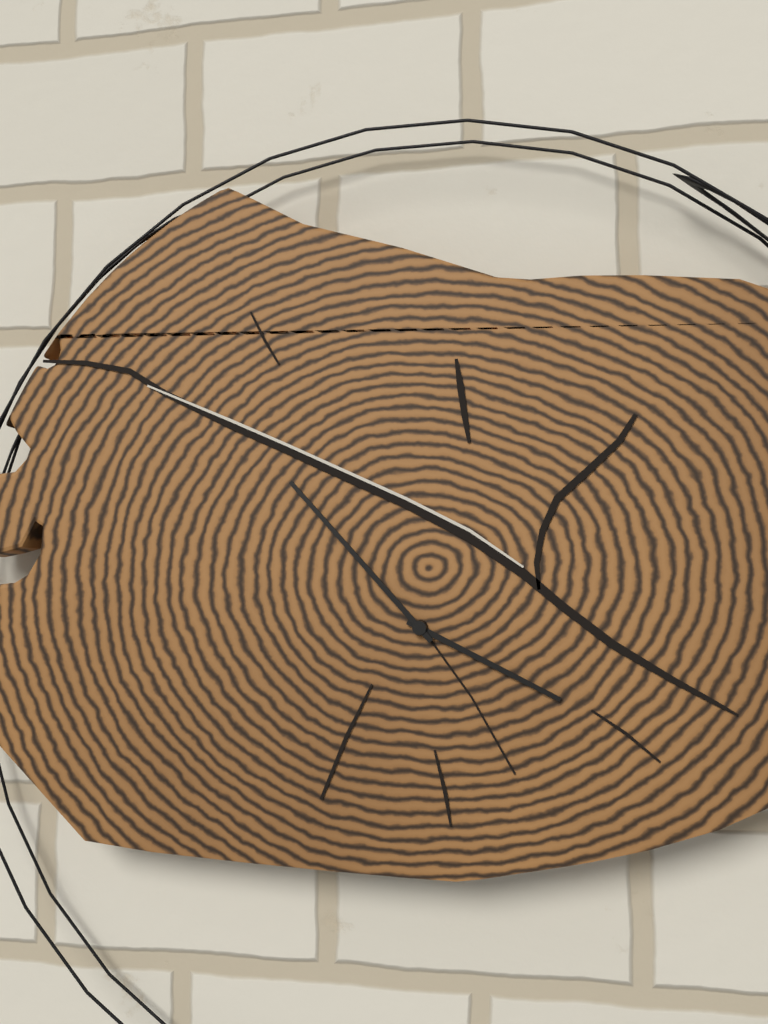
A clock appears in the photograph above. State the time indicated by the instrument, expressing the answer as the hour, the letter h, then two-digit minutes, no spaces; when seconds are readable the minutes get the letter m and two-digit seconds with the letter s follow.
3h53
